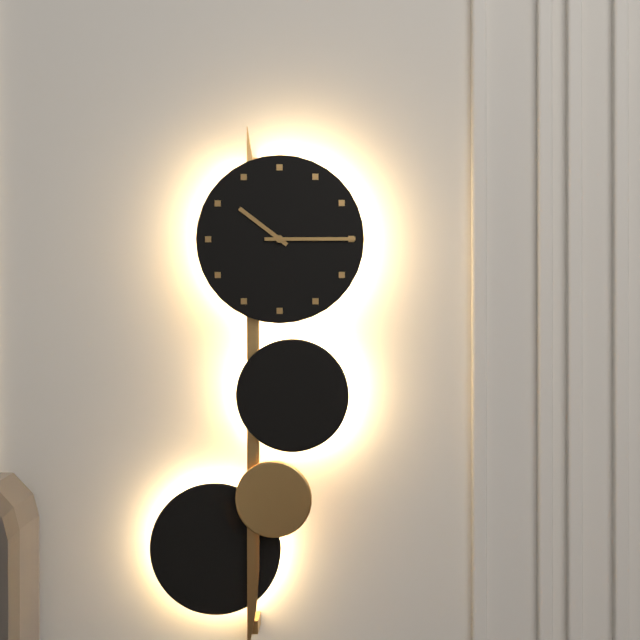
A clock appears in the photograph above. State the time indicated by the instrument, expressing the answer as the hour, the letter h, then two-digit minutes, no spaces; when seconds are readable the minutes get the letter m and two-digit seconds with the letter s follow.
10h15
